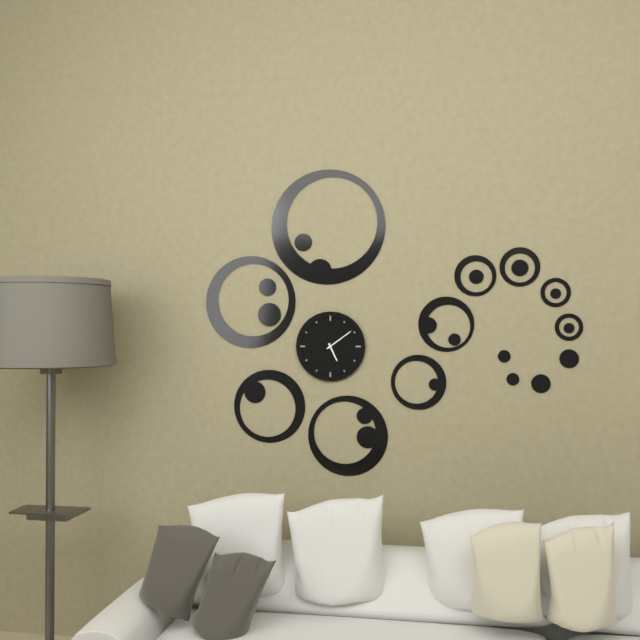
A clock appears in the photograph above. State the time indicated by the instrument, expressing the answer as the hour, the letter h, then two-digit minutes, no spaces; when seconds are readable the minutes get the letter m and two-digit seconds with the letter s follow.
5h09
